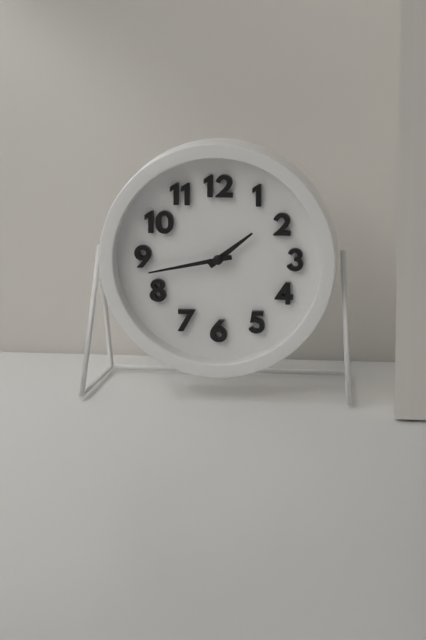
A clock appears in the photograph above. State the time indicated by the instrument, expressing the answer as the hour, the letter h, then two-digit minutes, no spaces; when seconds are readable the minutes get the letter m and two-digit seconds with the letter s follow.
1h43
